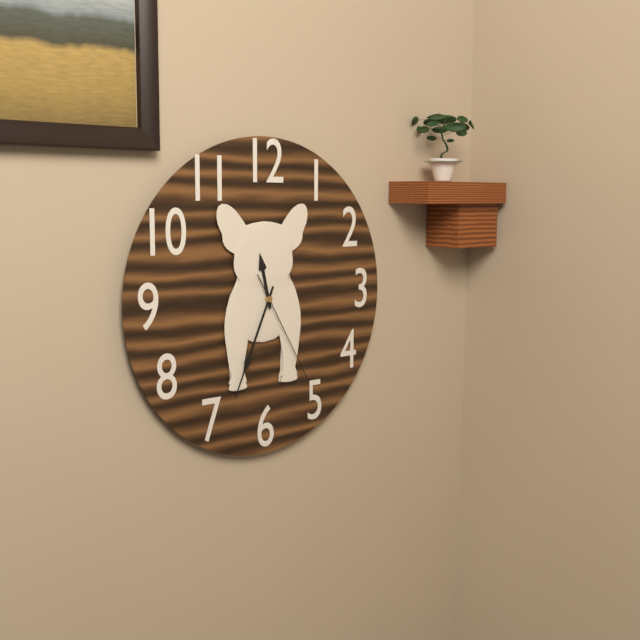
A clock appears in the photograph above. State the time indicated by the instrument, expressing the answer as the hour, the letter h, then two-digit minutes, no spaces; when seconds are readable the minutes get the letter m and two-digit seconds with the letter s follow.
11h34m25s
